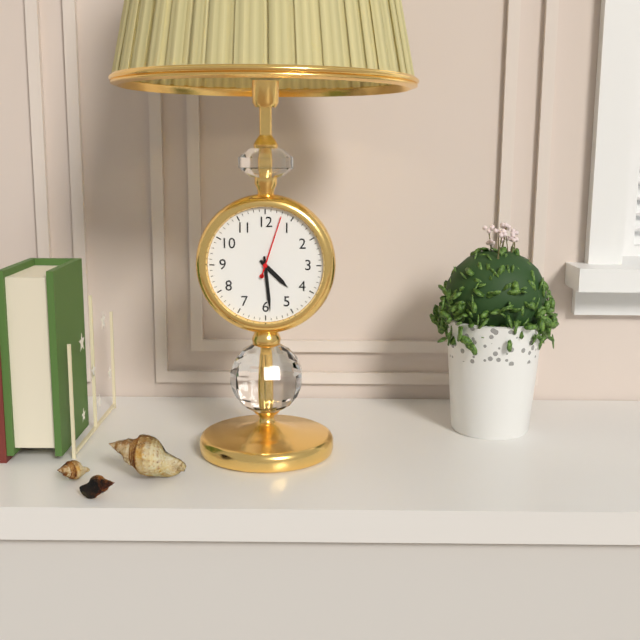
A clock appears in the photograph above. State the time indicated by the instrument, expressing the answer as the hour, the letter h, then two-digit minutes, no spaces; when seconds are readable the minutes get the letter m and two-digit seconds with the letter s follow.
4h29m03s
